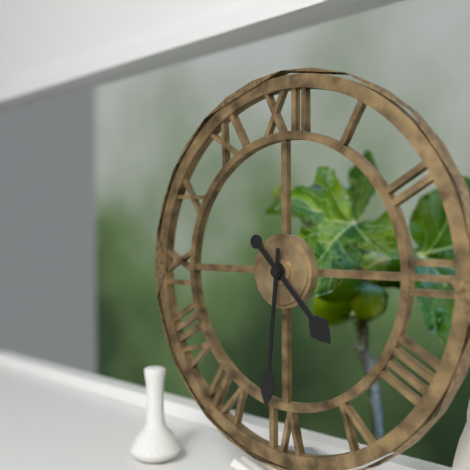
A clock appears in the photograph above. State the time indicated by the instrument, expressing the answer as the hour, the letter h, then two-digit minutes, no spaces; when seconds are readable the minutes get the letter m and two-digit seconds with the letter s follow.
4h31
